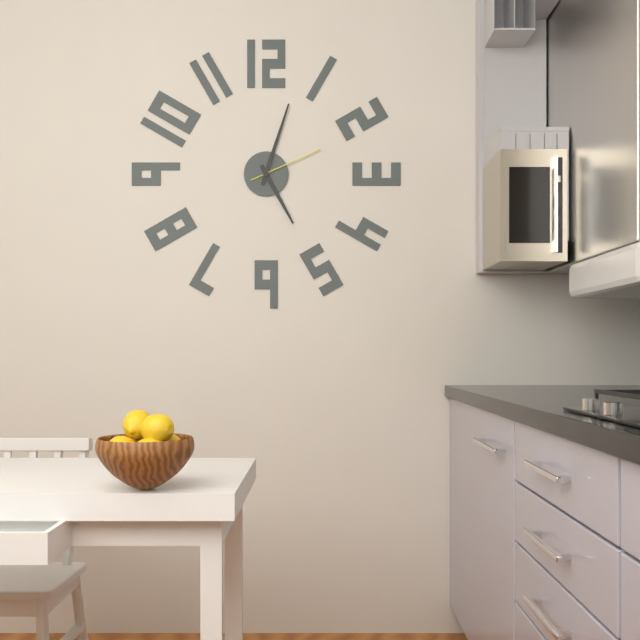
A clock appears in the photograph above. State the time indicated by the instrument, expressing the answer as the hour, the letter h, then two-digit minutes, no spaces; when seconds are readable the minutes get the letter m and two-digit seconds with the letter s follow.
5h03m11s
